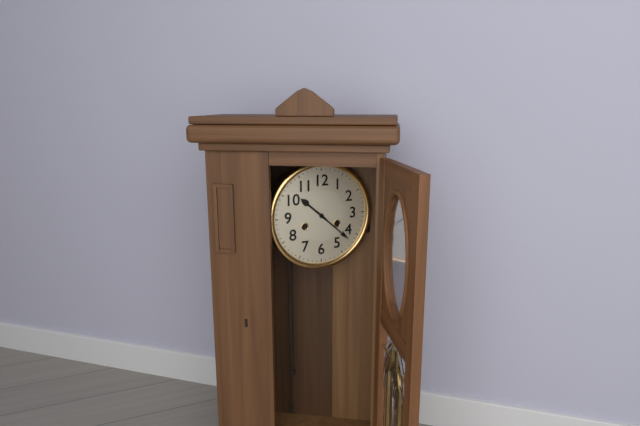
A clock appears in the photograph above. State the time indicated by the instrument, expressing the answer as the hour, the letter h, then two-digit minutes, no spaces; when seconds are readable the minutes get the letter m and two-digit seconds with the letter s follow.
10h22
